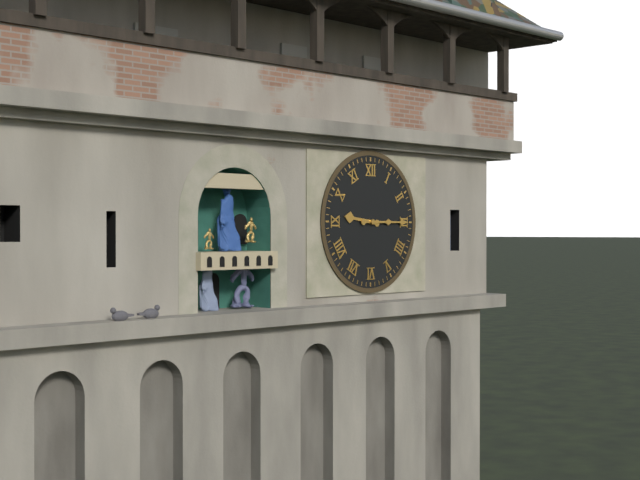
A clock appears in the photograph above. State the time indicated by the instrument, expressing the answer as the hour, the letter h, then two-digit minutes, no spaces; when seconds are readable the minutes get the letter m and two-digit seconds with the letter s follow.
9h15
